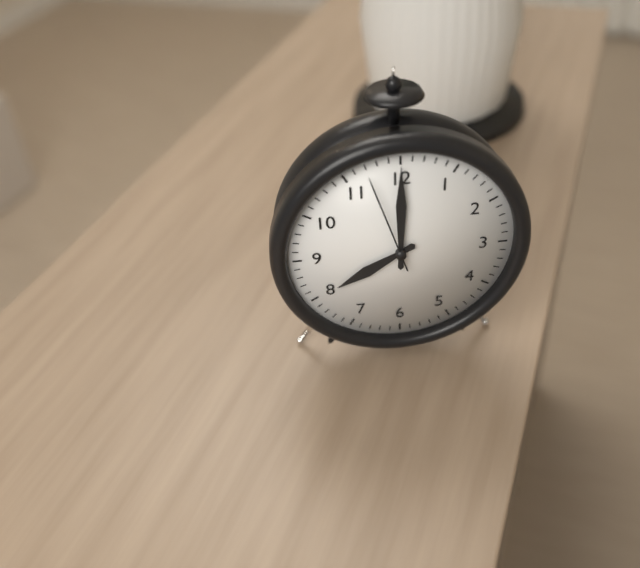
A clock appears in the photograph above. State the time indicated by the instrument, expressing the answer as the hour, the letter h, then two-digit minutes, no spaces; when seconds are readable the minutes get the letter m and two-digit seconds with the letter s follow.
8h00m57s
